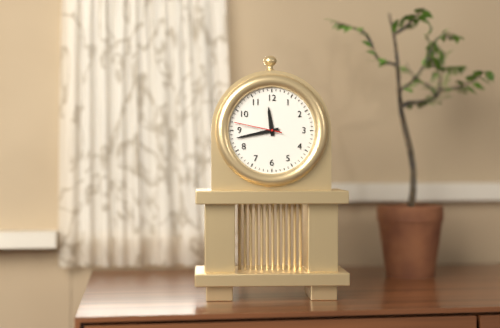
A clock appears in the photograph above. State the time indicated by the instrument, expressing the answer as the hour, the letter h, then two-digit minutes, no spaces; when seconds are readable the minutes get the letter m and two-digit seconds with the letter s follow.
11h43
